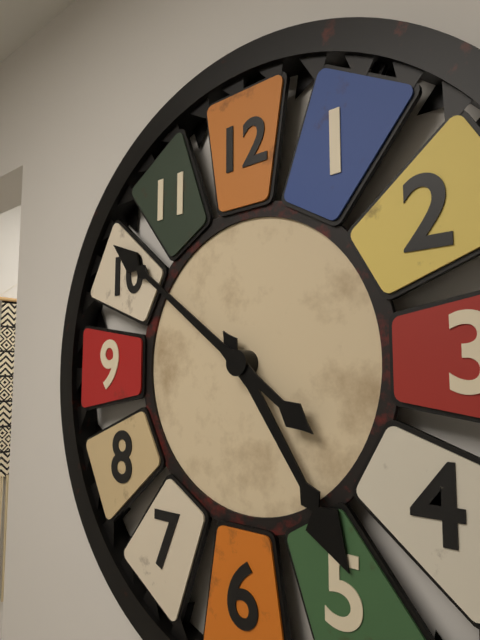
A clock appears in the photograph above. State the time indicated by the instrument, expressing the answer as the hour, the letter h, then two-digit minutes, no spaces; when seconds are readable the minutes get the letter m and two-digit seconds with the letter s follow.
4h51
